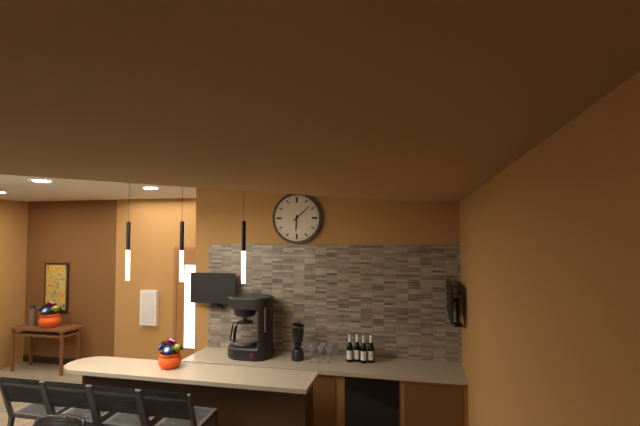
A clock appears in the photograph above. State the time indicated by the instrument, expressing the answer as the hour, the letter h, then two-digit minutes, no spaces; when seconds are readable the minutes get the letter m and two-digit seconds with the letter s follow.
6h08
